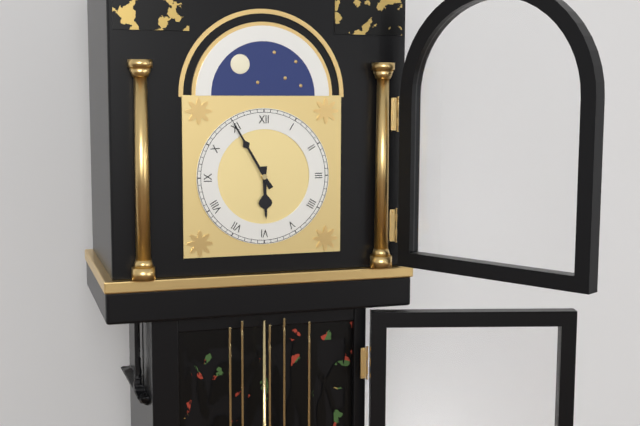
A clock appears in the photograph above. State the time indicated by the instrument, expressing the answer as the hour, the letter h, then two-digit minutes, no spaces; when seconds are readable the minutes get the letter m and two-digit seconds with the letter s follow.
5h55
